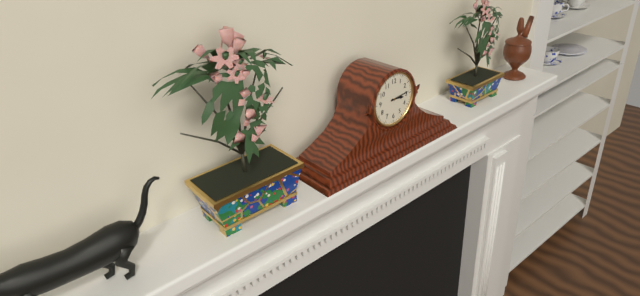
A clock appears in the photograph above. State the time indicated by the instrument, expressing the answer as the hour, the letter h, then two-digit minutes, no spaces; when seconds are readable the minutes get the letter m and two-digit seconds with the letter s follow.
3h14
